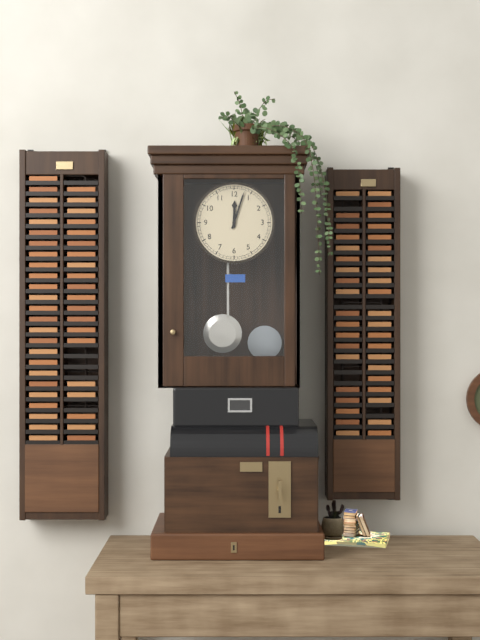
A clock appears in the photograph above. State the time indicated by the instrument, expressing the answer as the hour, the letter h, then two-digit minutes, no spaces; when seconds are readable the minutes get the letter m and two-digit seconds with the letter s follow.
12h03
